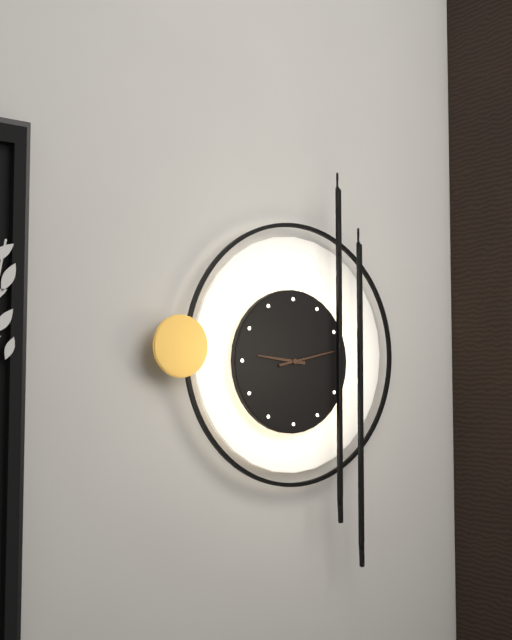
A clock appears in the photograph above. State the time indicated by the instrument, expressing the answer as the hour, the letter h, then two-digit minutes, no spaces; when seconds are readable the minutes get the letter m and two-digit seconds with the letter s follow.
9h13
